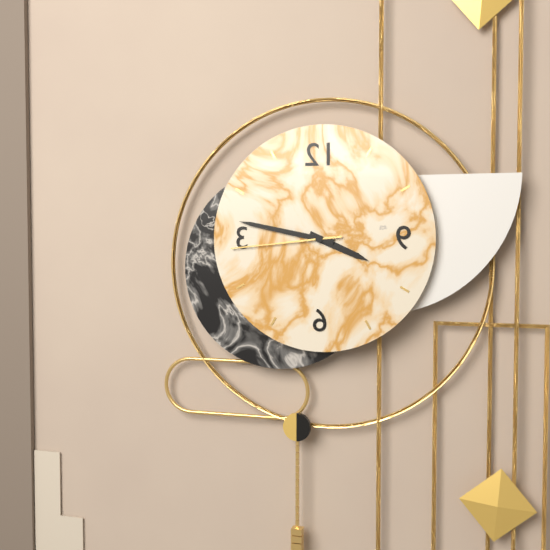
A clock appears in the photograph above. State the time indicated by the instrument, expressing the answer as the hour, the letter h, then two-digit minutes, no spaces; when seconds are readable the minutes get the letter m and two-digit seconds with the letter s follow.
3h47m44s
